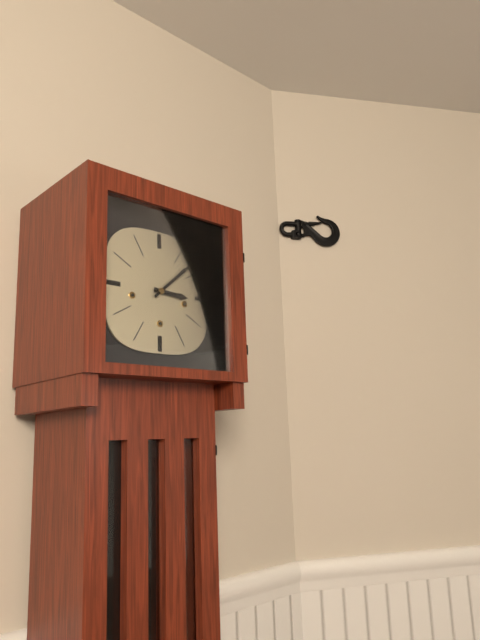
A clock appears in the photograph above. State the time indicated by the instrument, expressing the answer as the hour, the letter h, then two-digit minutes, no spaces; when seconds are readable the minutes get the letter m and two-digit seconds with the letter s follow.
3h08
